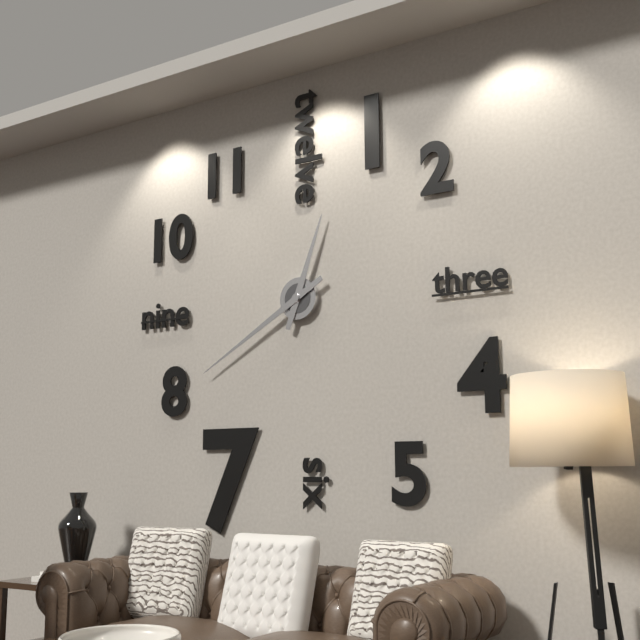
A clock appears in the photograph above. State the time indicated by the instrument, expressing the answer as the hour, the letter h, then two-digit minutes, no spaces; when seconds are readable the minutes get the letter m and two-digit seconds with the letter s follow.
12h40
